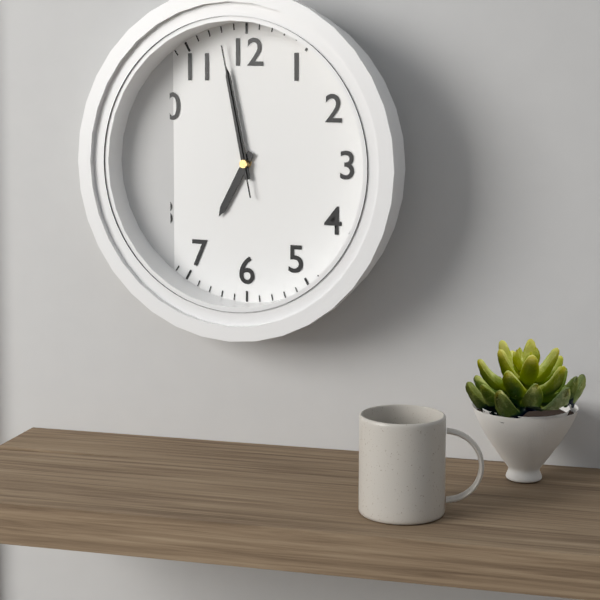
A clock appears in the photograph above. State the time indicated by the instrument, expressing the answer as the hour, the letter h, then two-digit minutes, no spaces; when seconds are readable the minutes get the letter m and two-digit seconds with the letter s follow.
6h58m58s
